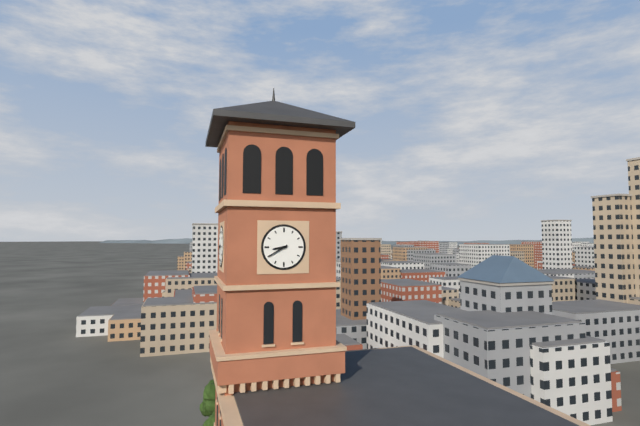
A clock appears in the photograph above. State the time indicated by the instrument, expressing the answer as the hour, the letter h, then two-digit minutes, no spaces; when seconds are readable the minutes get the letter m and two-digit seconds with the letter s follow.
8h40
